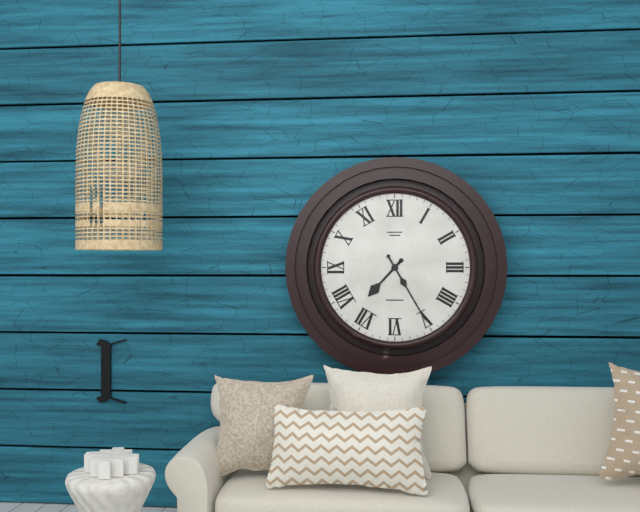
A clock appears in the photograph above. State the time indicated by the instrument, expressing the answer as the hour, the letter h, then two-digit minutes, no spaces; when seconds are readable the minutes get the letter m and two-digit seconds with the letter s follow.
7h25
